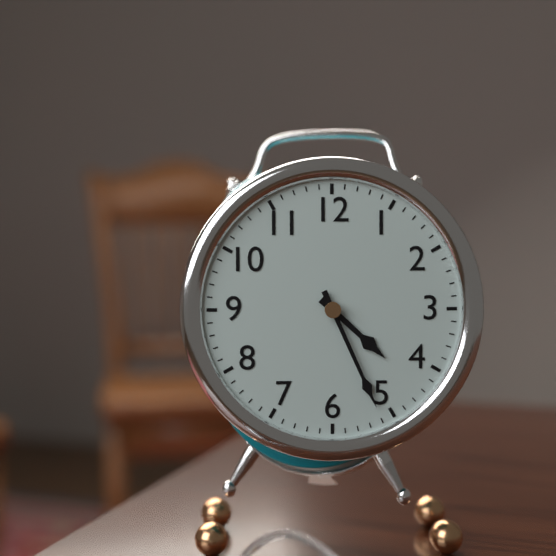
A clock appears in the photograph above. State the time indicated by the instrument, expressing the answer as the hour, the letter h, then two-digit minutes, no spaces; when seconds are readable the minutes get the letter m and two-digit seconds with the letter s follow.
4h26
